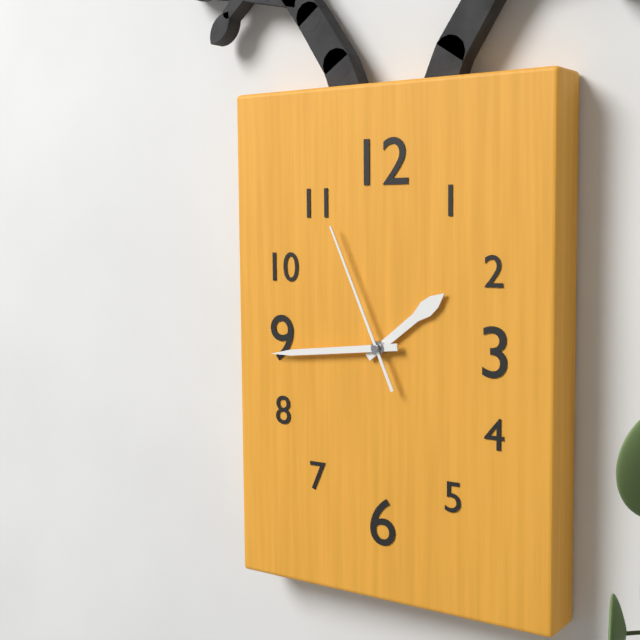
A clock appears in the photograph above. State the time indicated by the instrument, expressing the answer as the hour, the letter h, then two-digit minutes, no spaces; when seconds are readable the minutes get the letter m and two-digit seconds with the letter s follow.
1h44m56s
